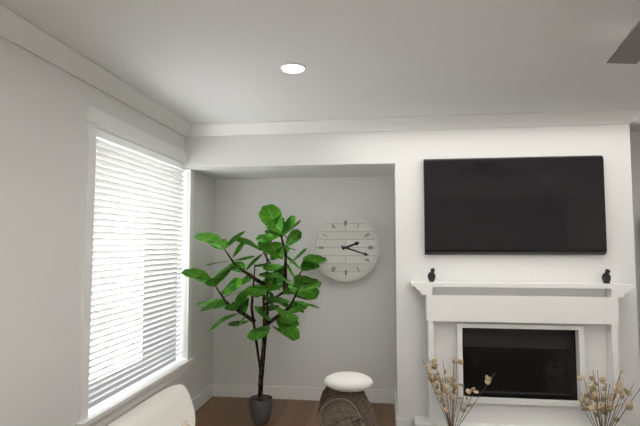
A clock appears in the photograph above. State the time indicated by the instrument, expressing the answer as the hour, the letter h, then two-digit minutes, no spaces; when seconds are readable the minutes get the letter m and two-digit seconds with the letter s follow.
2h18
